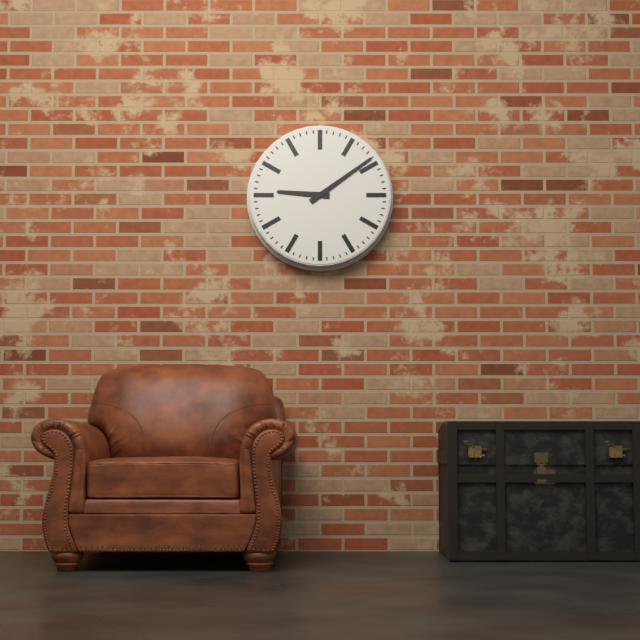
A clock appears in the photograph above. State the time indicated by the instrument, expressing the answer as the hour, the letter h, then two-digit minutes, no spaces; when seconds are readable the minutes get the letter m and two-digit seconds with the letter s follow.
9h09
